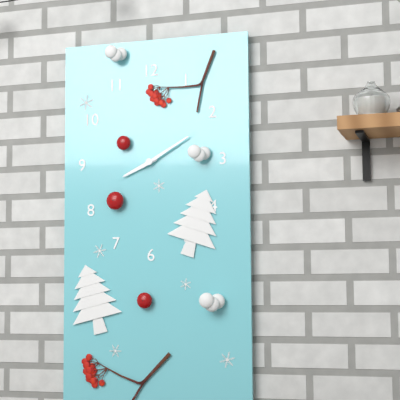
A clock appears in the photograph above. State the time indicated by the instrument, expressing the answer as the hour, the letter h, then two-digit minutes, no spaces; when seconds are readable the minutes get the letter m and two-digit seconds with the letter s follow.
8h10
